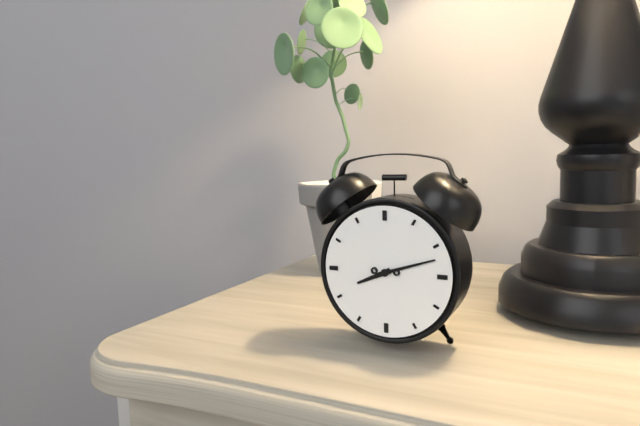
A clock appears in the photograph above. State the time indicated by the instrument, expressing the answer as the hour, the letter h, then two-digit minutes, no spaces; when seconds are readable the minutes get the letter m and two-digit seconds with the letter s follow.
8h12
